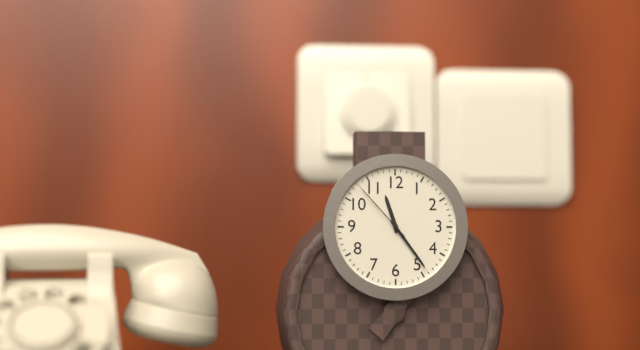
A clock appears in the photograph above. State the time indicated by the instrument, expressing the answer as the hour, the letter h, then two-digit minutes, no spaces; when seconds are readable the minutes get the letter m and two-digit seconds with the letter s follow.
11h24m53s
